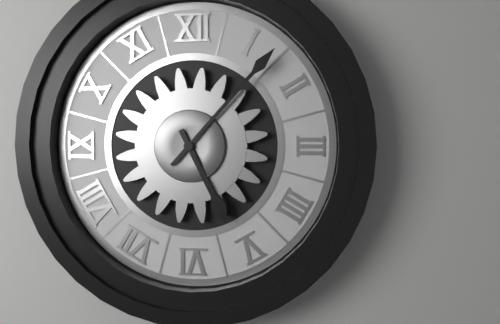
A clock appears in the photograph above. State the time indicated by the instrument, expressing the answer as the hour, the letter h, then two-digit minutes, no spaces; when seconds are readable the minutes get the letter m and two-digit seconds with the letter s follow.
5h07
